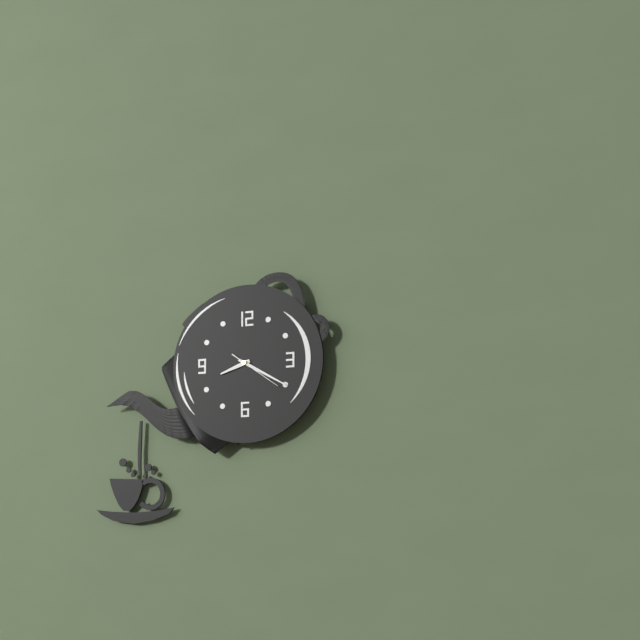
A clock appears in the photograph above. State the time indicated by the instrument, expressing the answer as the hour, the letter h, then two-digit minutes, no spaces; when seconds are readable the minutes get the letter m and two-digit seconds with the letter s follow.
8h20m21s
